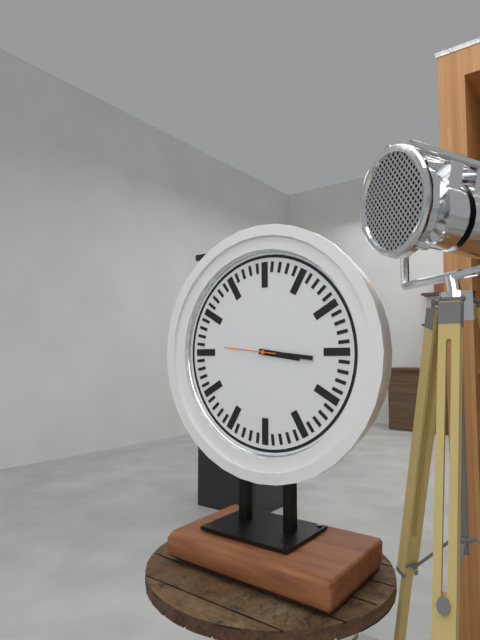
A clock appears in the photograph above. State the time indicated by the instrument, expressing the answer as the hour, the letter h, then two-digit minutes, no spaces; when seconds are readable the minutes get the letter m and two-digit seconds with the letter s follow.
3h16m46s
